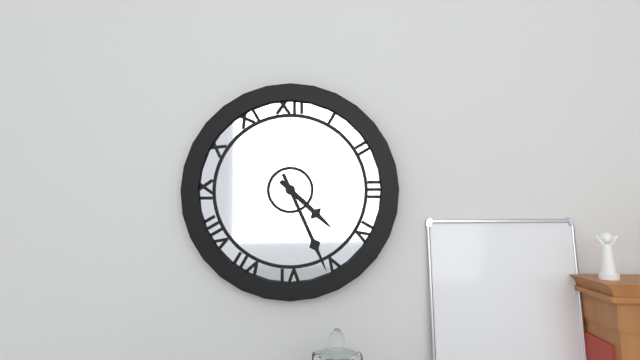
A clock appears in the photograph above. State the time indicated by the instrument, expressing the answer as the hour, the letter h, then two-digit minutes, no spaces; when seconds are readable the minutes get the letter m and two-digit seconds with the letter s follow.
4h26
